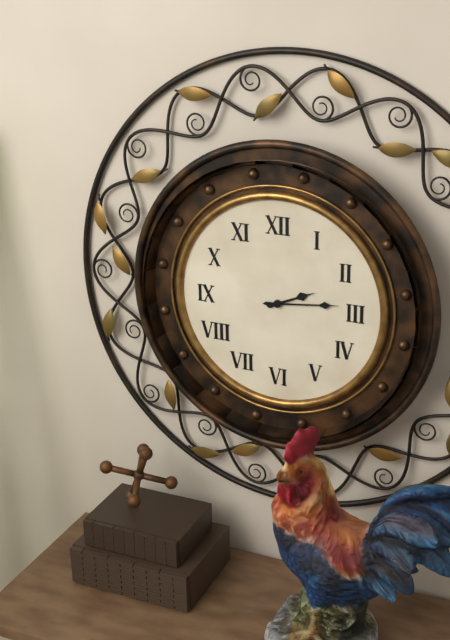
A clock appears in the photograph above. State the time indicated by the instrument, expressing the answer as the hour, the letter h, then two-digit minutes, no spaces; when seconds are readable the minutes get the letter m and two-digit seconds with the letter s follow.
2h14
